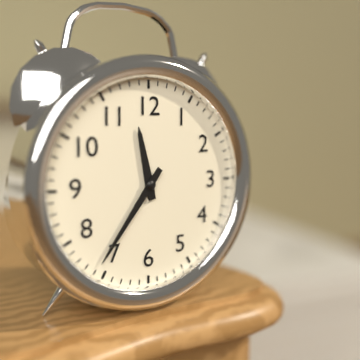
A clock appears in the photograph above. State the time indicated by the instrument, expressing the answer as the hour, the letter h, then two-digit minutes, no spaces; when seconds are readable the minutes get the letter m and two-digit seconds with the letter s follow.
11h36
